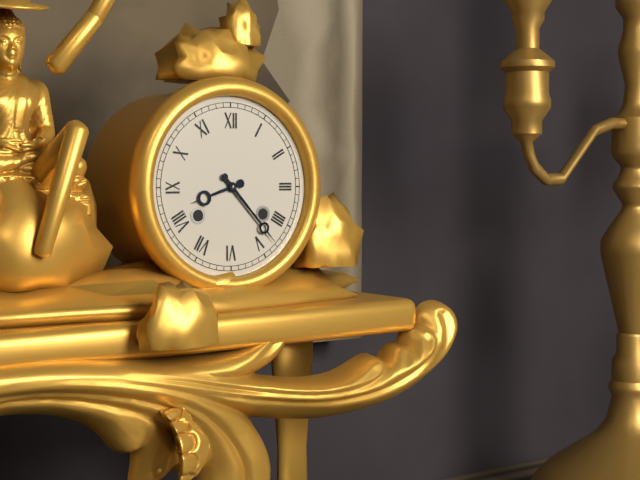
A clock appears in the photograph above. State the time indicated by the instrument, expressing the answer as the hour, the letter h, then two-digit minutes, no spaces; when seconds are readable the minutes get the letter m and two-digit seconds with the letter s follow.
8h23
